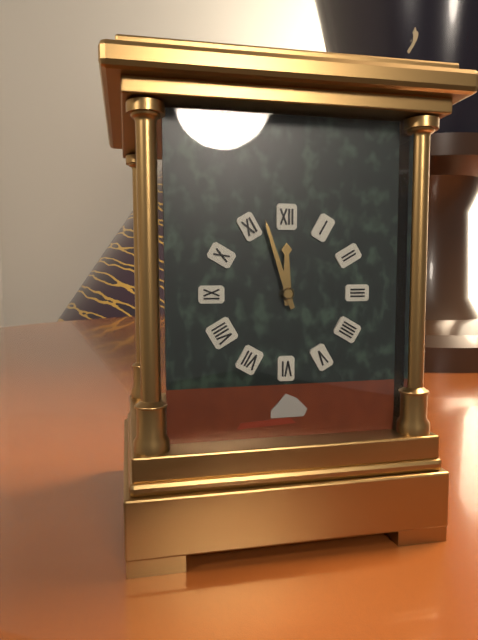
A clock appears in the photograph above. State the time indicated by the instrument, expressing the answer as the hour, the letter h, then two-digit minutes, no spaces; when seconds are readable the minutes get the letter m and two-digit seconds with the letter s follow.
11h57
